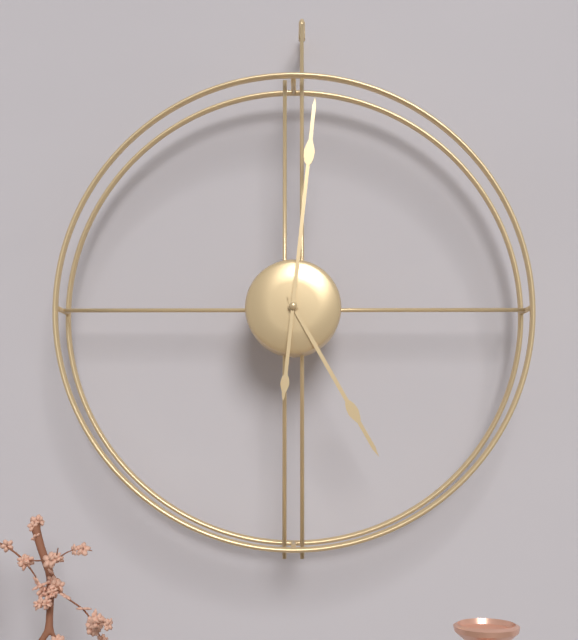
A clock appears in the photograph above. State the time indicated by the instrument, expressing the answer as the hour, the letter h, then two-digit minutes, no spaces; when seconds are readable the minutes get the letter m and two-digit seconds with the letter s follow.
5h01
